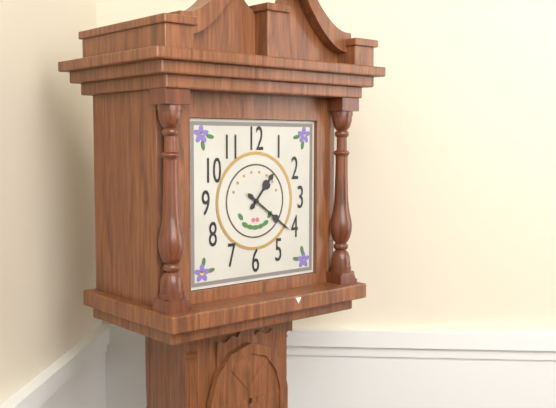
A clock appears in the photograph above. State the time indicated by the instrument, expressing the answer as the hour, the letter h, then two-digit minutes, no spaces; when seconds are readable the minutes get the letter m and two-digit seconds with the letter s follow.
1h21
